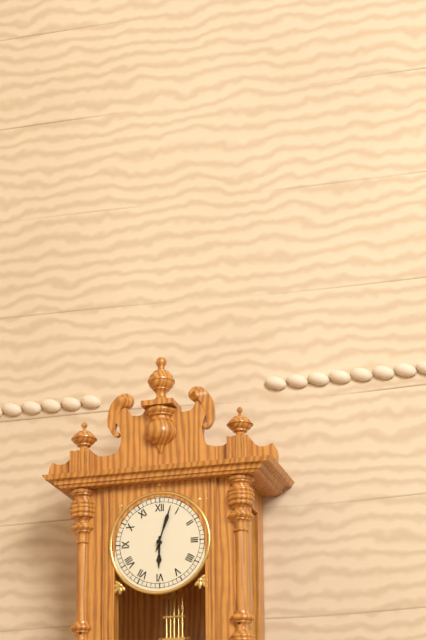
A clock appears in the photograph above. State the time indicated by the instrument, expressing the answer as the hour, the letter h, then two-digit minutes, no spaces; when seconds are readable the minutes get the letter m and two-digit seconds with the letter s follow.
6h03
